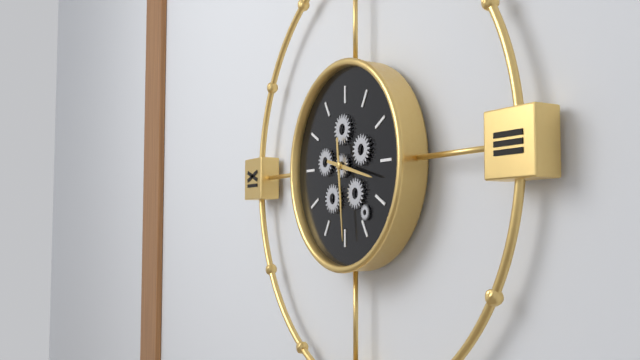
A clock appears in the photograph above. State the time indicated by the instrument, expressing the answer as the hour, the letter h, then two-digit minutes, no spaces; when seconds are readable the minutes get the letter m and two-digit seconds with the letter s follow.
3h29
